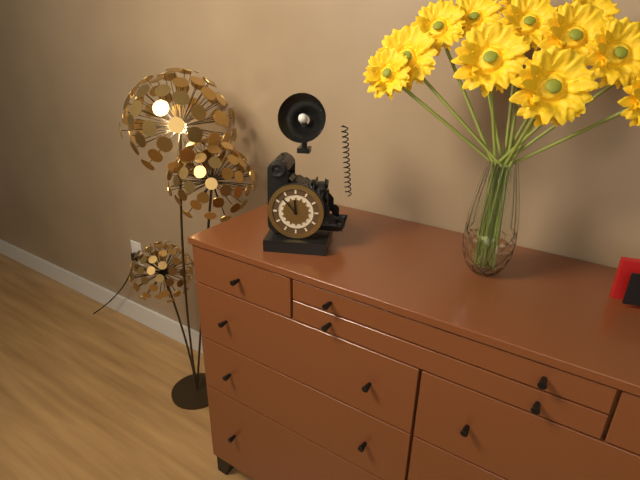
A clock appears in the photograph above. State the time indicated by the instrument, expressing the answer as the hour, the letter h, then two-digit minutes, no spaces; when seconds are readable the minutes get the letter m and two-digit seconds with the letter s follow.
11h53
